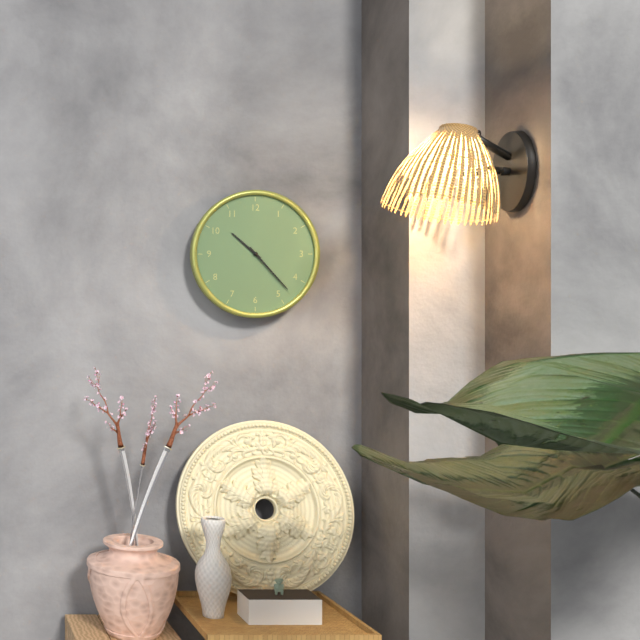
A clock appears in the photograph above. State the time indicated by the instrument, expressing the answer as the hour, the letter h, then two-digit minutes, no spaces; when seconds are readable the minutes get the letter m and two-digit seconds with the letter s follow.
10h23
